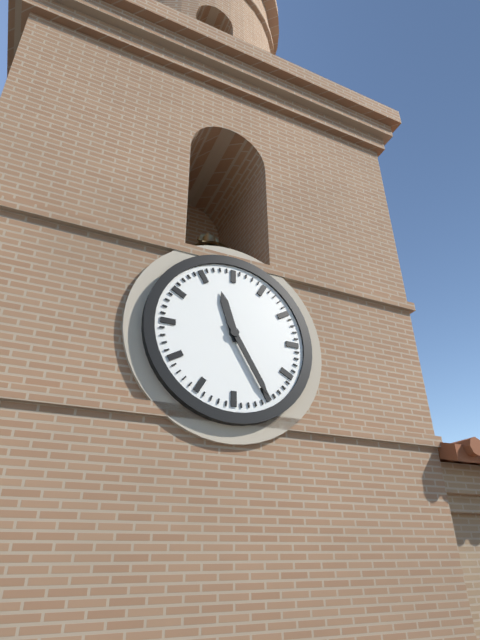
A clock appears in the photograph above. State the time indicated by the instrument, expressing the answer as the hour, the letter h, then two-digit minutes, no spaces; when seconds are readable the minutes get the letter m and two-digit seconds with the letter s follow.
11h25
